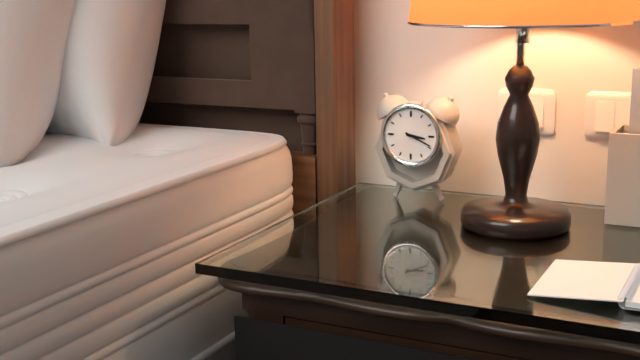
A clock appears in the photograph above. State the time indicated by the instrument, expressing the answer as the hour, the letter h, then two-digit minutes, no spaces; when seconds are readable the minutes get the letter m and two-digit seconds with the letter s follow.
3h19
